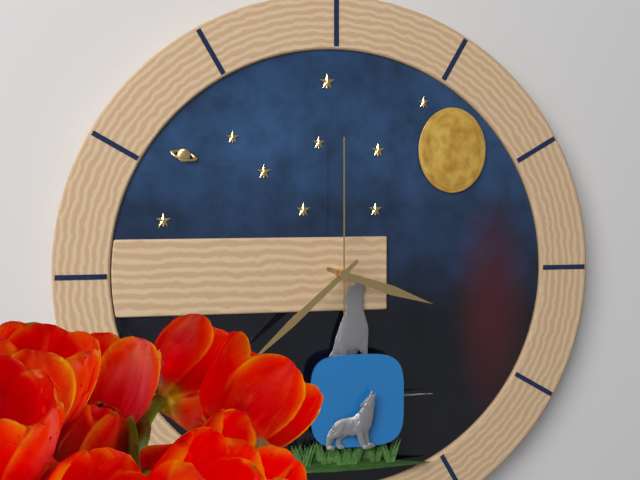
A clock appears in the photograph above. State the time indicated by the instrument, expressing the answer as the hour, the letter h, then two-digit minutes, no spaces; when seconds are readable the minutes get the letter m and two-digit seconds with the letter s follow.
3h38m00s
